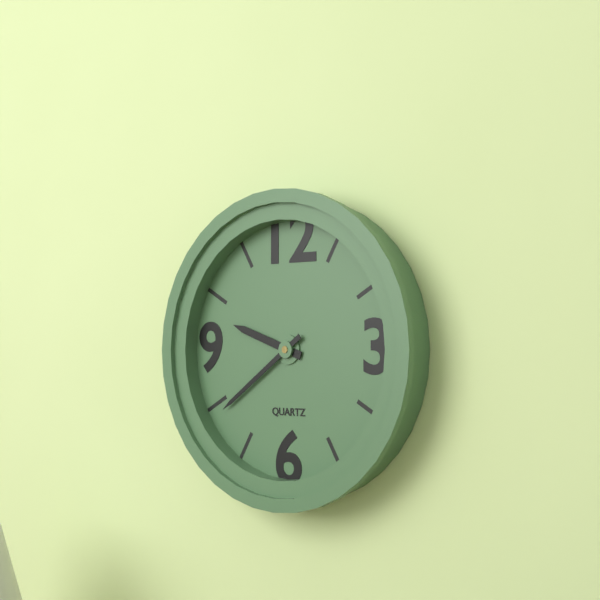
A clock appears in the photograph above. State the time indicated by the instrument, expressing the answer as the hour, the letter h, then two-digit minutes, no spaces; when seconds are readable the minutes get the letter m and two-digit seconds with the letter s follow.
9h39
